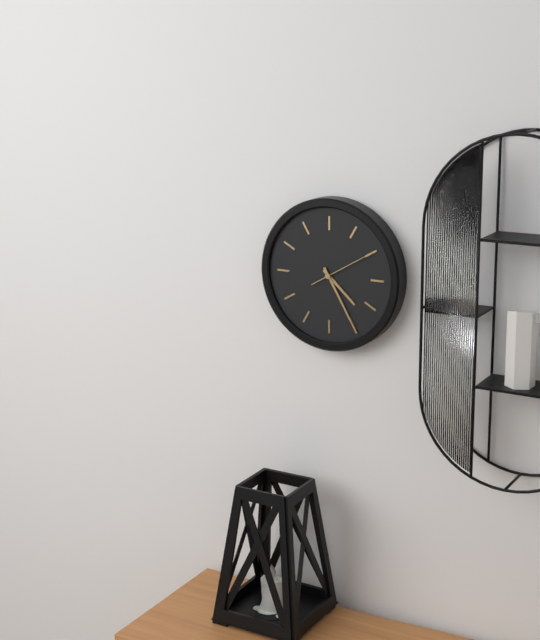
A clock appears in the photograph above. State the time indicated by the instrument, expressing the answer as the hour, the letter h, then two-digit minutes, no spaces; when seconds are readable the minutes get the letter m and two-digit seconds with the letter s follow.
4h25m10s
